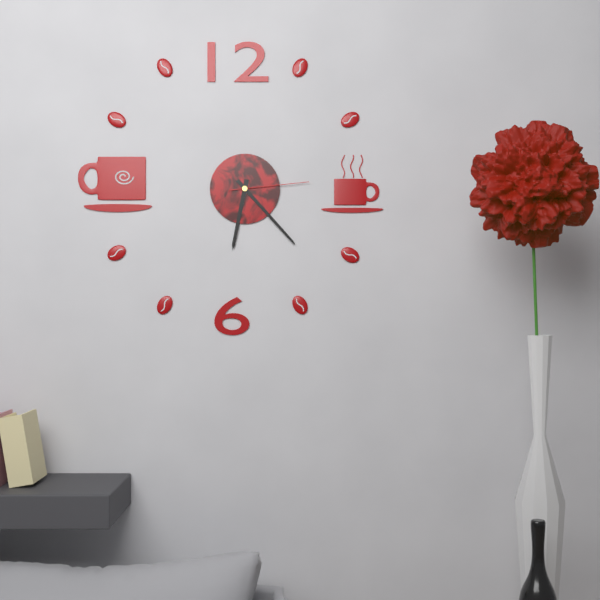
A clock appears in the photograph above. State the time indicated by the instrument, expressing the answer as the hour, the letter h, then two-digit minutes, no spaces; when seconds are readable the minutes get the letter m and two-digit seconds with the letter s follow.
6h23m14s
